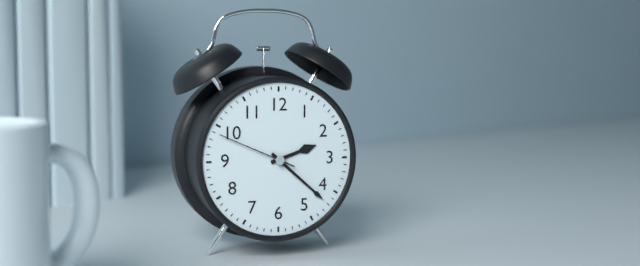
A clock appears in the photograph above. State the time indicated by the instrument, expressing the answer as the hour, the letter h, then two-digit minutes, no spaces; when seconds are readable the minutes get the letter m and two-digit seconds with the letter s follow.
2h22m49s
